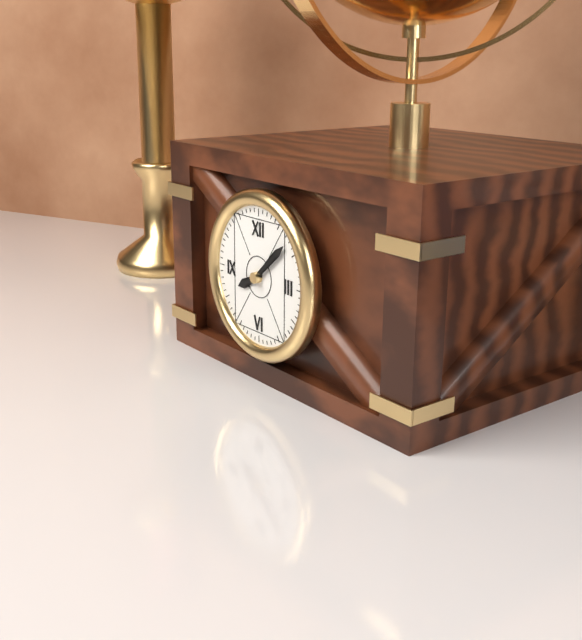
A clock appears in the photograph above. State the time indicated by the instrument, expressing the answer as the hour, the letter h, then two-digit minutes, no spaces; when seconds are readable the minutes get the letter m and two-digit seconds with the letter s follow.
8h08
